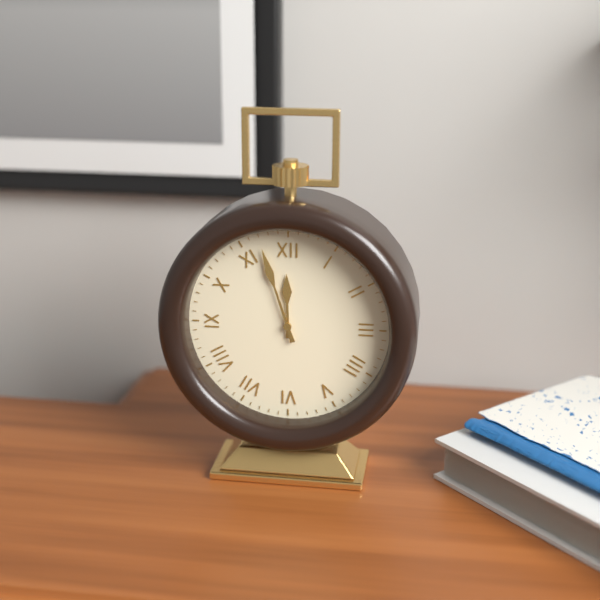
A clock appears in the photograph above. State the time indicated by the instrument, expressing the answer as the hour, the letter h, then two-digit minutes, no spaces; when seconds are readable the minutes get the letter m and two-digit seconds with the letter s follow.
11h57
